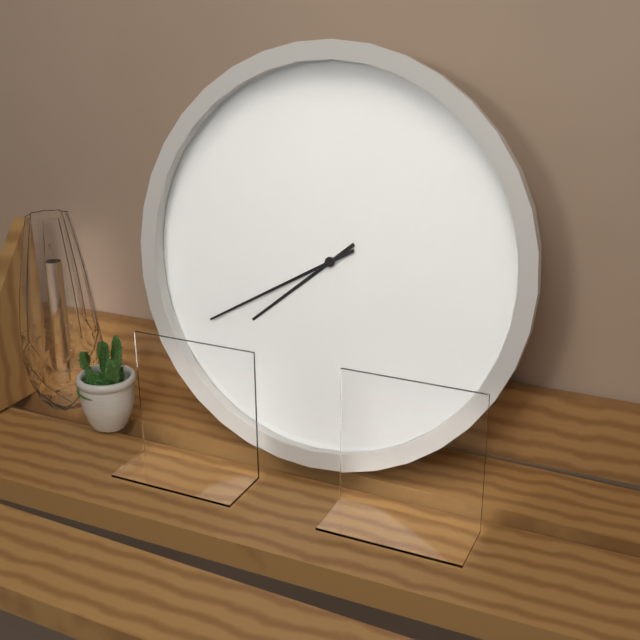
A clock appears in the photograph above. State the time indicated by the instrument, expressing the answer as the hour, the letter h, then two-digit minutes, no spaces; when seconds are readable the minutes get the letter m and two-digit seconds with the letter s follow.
7h40
